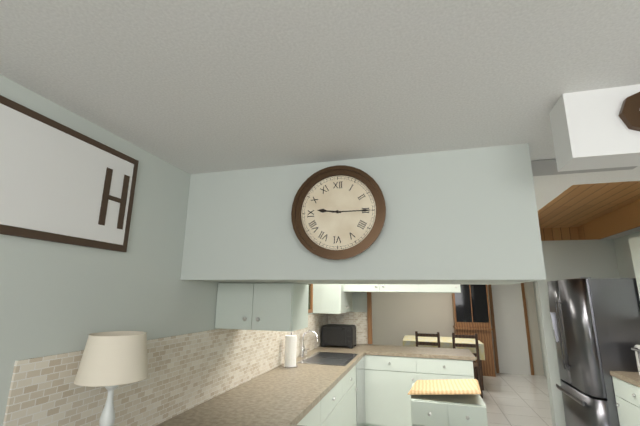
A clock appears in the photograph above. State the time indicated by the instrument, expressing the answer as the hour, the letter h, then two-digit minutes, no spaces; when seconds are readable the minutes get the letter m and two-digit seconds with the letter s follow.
9h15
